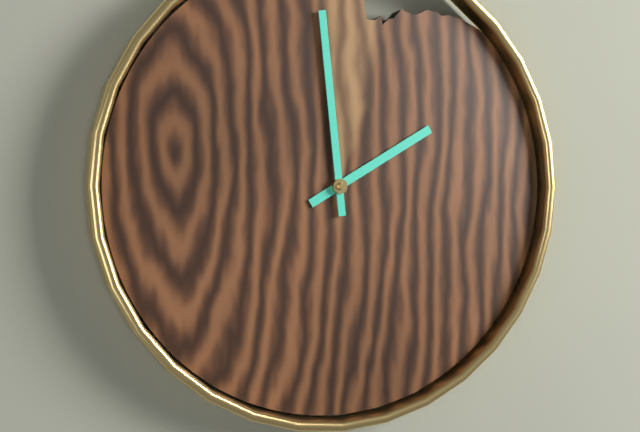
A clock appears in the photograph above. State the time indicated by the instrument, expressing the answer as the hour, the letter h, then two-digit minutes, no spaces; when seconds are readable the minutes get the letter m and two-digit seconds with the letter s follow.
1h59
